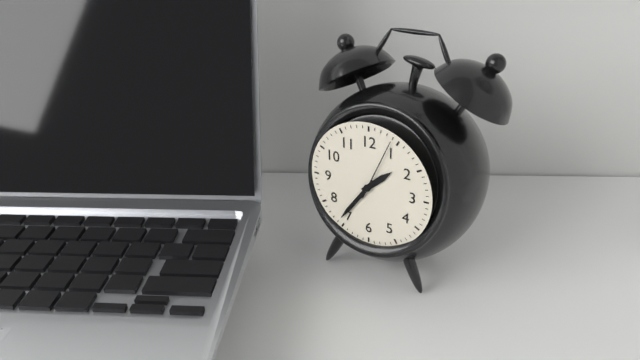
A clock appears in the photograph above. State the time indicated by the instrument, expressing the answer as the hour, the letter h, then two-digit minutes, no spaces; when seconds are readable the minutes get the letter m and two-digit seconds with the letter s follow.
1h36m04s
